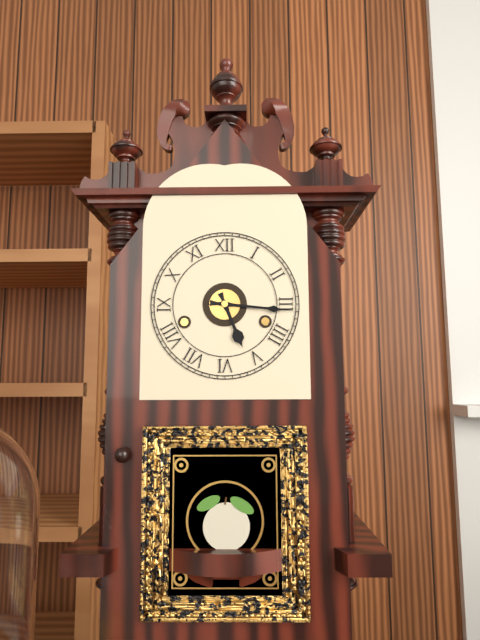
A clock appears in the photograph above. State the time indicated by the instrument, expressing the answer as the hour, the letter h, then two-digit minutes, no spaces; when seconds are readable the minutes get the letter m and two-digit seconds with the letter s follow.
5h16
